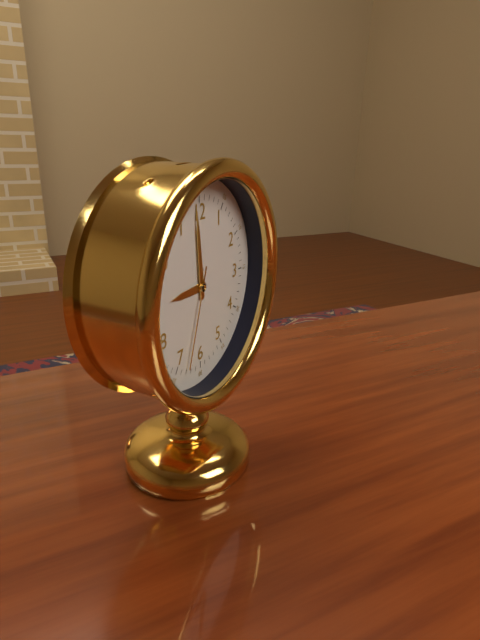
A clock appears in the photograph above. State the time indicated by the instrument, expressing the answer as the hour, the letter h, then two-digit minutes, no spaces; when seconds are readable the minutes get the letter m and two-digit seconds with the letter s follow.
8h59m33s
